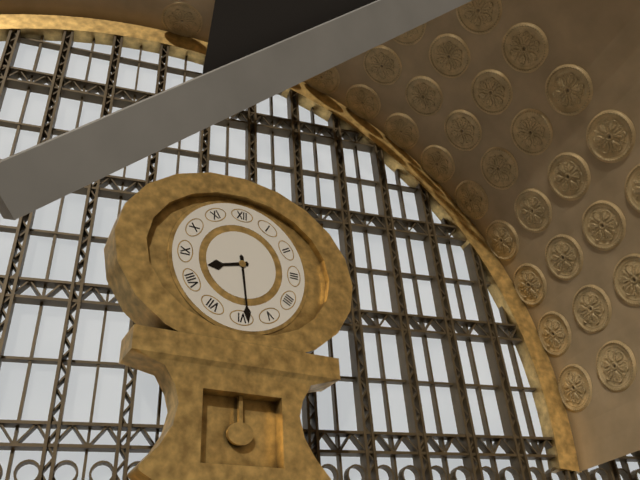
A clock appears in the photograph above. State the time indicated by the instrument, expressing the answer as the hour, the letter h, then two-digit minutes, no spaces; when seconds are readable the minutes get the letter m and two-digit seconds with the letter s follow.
8h29
